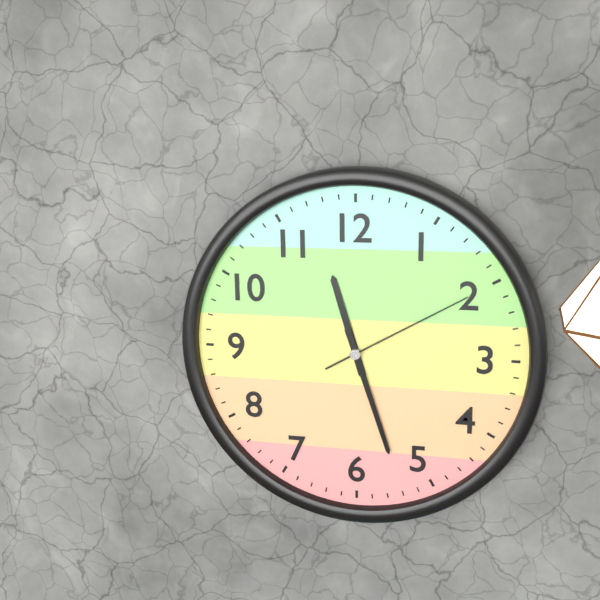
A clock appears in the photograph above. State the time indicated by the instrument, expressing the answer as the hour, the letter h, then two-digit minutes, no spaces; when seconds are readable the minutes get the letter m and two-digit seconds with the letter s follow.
11h27m10s
